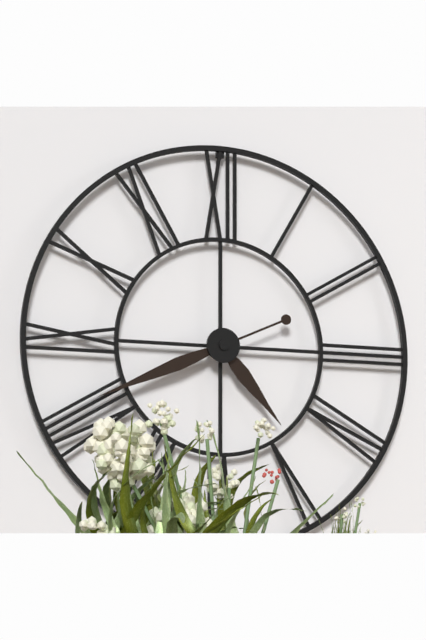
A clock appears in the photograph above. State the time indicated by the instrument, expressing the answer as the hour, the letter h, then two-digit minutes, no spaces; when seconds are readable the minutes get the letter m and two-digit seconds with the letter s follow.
4h41
